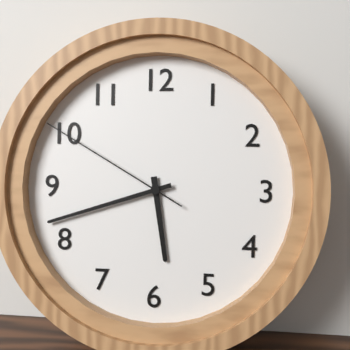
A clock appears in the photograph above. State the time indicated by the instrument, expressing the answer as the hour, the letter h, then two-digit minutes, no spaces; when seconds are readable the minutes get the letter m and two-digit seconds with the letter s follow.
5h42m50s
